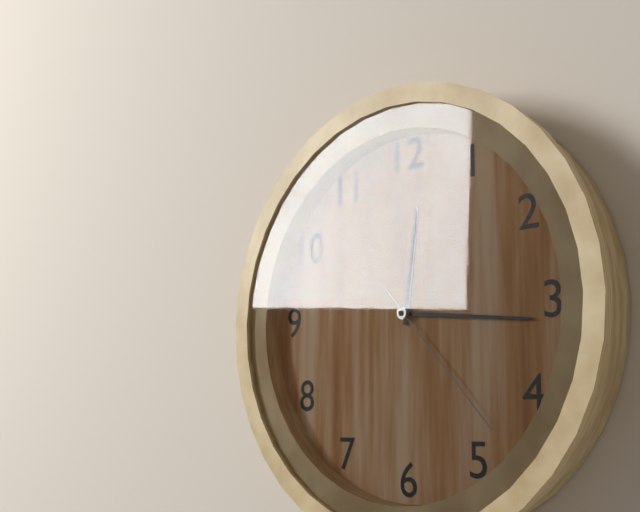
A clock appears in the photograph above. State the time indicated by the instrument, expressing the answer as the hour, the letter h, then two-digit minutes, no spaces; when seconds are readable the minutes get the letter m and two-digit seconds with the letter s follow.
12h16m23s
